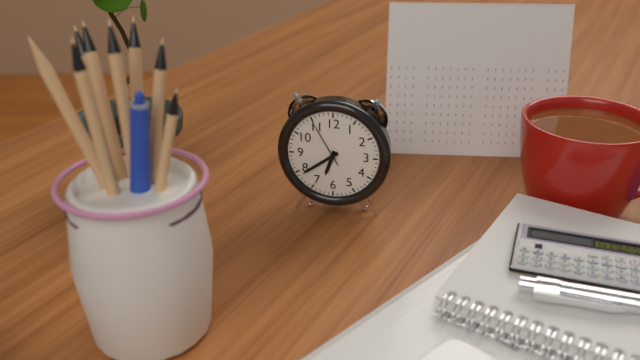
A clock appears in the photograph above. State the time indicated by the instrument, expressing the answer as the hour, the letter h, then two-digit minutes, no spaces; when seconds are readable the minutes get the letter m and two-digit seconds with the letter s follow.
6h39
